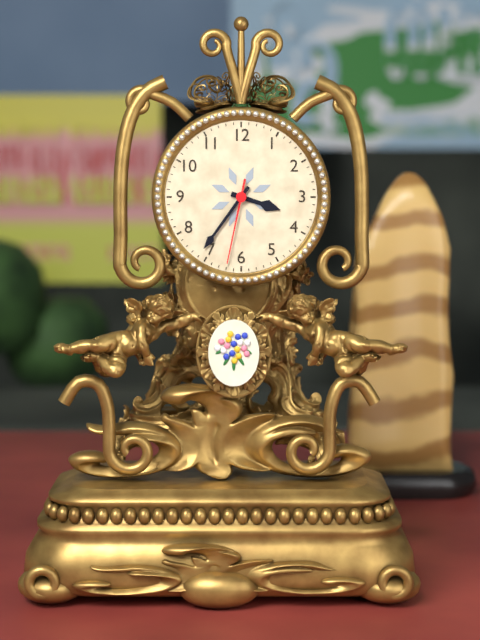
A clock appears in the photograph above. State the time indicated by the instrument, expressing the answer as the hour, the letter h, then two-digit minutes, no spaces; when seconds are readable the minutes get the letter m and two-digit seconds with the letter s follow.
3h36m32s
